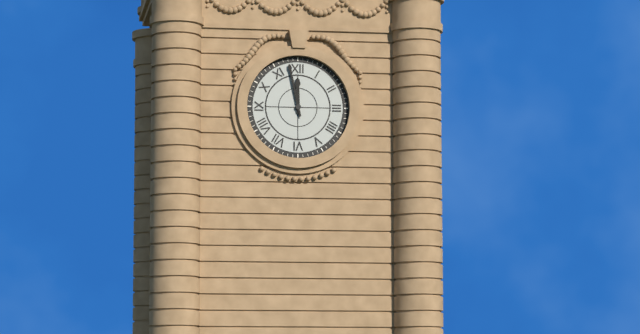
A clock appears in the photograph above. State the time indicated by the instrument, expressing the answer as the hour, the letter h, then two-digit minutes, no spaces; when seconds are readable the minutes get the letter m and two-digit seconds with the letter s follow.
11h58
